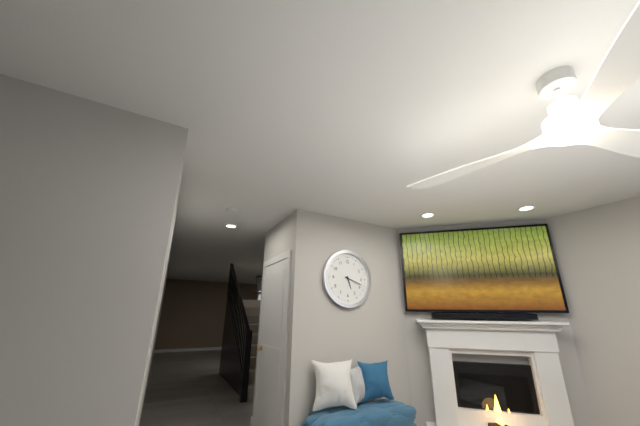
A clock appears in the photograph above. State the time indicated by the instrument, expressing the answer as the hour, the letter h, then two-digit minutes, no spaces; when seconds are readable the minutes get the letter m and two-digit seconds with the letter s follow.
5h18
